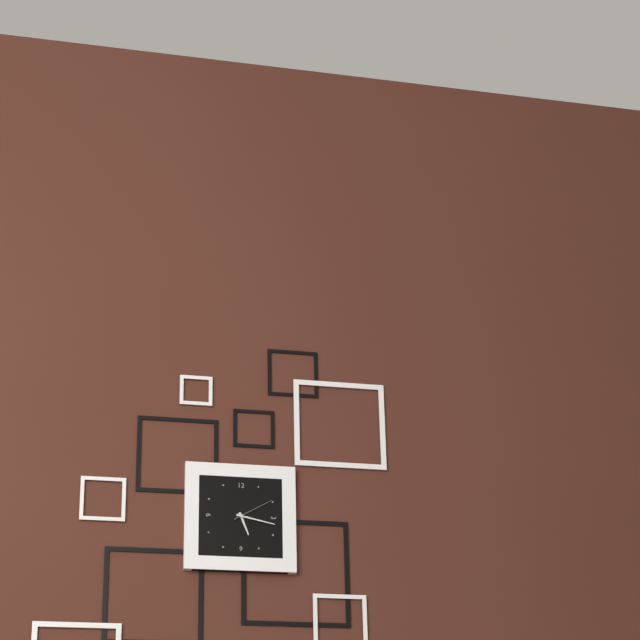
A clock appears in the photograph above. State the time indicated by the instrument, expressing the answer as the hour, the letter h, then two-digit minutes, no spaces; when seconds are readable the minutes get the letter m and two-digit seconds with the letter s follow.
5h17
